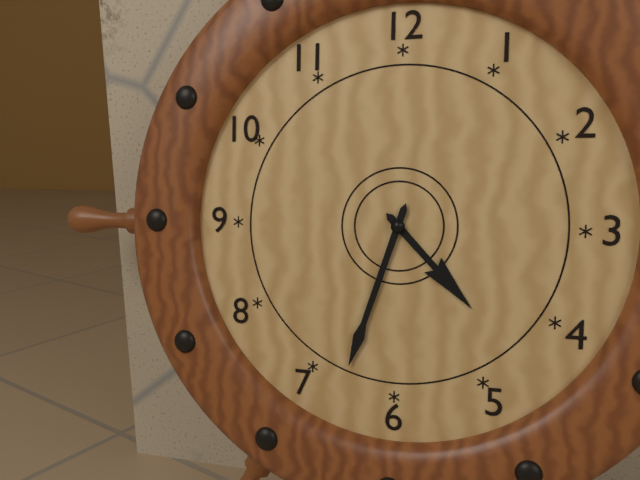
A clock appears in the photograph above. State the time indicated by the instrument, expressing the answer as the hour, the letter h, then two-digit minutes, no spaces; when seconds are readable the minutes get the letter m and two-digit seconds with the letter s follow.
4h33
